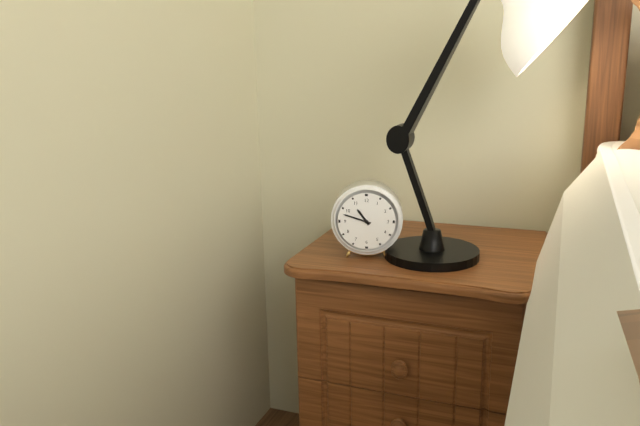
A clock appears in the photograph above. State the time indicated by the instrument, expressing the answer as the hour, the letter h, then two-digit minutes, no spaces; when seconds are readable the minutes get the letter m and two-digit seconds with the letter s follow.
10h48
